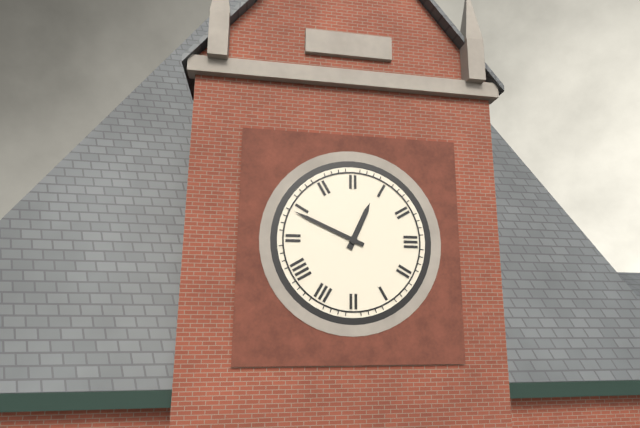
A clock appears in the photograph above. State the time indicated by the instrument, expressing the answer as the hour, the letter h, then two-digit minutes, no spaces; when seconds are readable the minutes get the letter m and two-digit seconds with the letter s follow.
12h49
